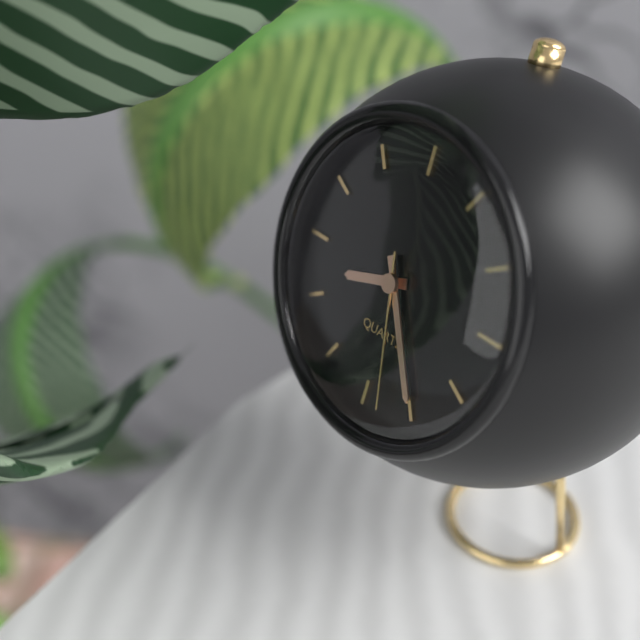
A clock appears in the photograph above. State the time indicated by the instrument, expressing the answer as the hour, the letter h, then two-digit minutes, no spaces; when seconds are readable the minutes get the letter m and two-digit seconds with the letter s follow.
8h25m28s
